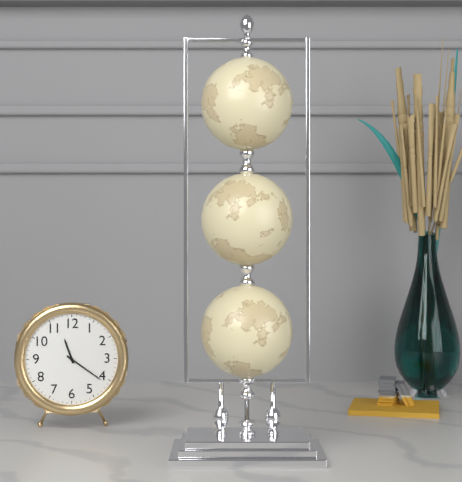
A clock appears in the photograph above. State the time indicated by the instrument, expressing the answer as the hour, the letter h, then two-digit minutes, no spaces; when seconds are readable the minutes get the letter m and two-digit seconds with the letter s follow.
11h21
